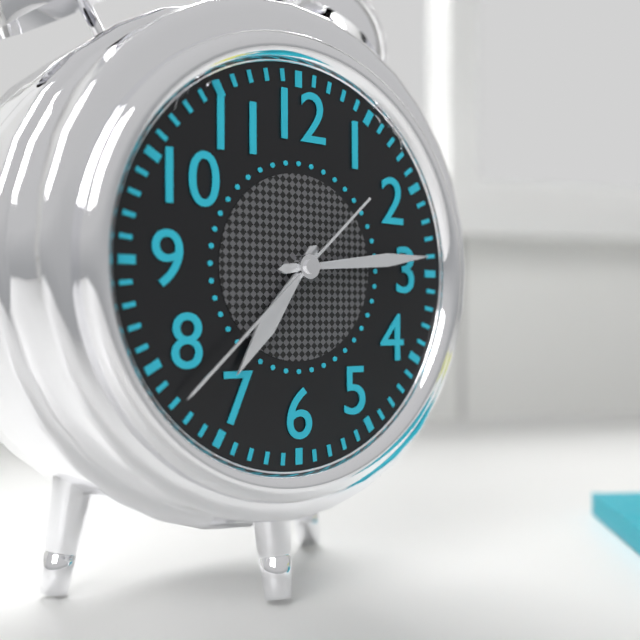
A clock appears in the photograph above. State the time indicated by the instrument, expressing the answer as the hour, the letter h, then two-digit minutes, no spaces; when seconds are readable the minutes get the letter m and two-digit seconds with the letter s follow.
7h14m38s
